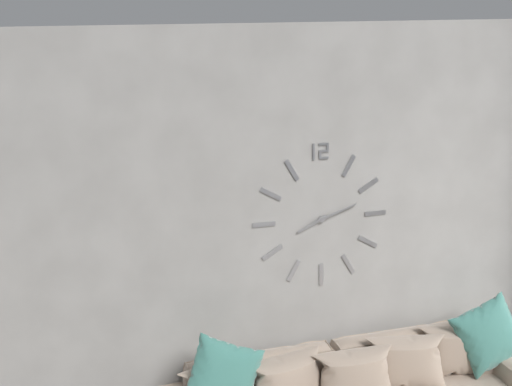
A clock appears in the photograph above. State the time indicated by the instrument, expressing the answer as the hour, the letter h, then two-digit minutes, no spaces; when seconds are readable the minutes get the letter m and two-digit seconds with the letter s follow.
8h12
